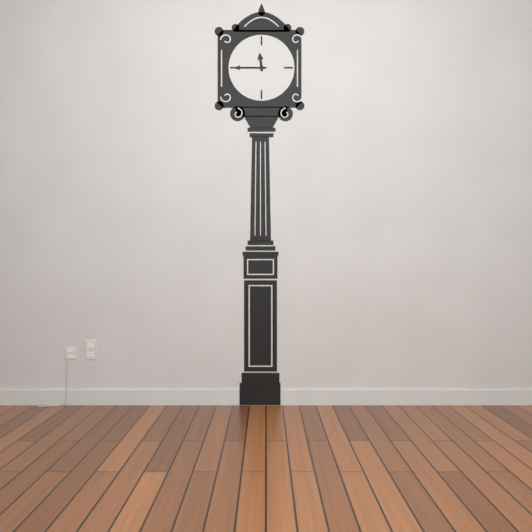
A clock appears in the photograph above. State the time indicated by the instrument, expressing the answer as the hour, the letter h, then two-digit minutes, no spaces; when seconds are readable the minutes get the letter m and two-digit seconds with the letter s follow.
11h45
